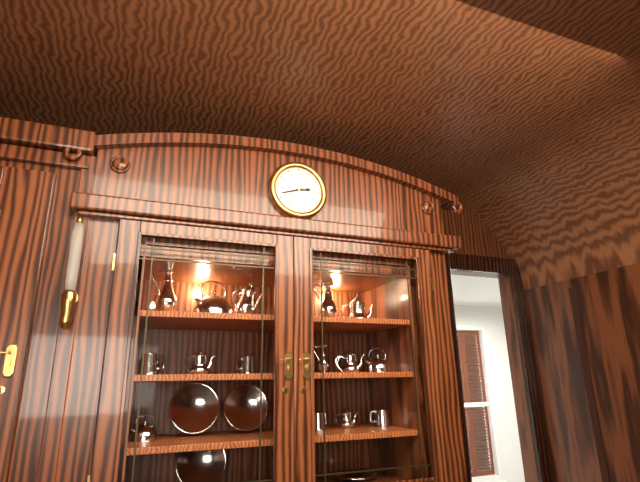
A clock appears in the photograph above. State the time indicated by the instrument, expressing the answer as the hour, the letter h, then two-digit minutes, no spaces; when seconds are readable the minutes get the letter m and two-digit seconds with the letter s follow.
2h42
